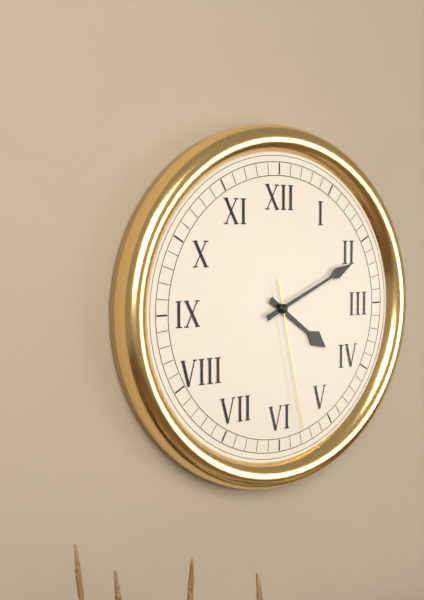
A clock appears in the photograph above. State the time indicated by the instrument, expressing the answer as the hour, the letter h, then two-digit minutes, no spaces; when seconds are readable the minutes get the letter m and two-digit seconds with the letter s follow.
4h11m28s
